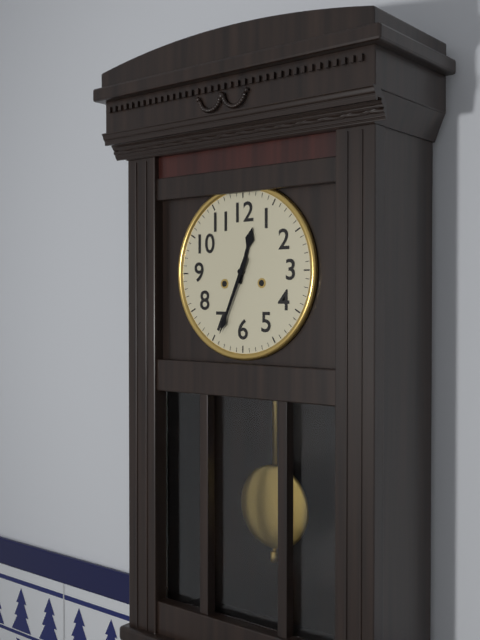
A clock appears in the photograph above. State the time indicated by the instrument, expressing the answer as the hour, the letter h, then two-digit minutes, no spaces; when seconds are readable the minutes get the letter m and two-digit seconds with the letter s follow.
12h34
